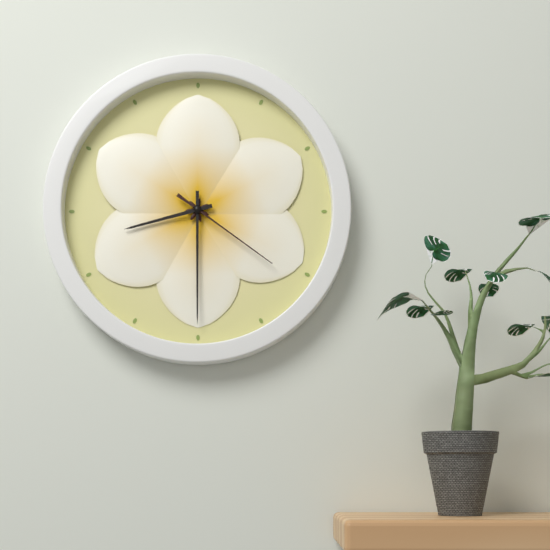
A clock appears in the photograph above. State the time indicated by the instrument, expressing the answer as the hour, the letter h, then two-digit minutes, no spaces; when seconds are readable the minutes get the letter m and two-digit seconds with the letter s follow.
8h30m21s
